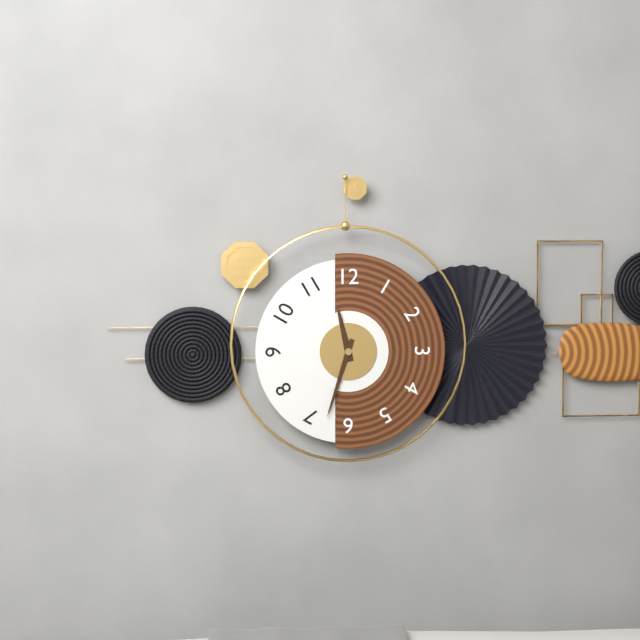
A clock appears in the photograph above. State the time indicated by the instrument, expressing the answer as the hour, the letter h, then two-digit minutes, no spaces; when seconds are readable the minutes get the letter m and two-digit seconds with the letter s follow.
11h33
